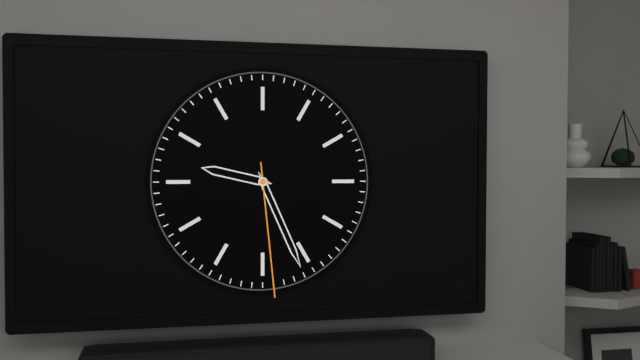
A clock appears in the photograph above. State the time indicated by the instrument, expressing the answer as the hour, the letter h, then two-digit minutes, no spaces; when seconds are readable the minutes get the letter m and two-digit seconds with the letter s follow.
9h26m29s
